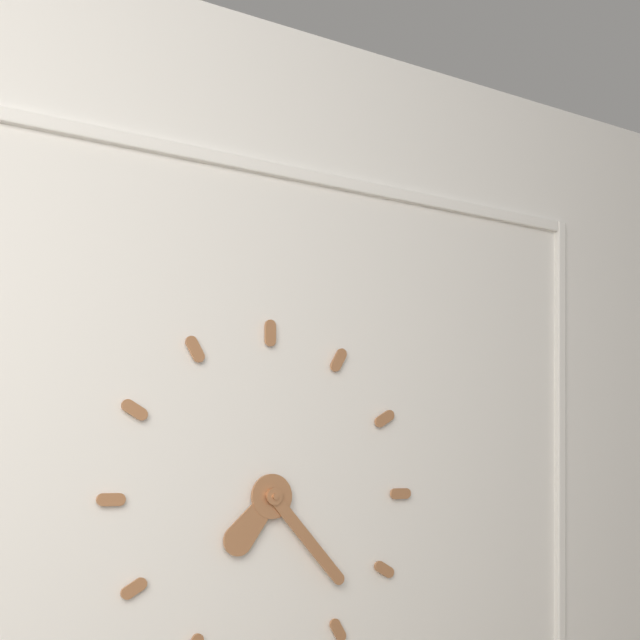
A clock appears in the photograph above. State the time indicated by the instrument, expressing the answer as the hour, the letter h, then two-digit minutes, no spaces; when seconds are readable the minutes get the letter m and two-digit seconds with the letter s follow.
7h23
